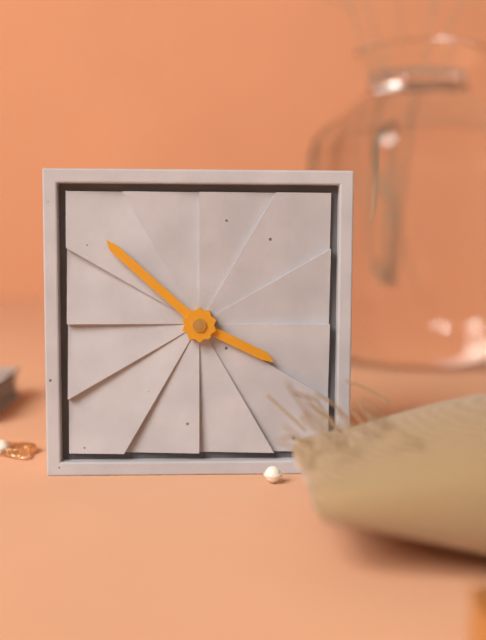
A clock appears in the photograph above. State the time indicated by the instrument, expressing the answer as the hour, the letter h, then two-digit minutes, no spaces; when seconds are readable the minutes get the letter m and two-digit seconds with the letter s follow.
3h52
